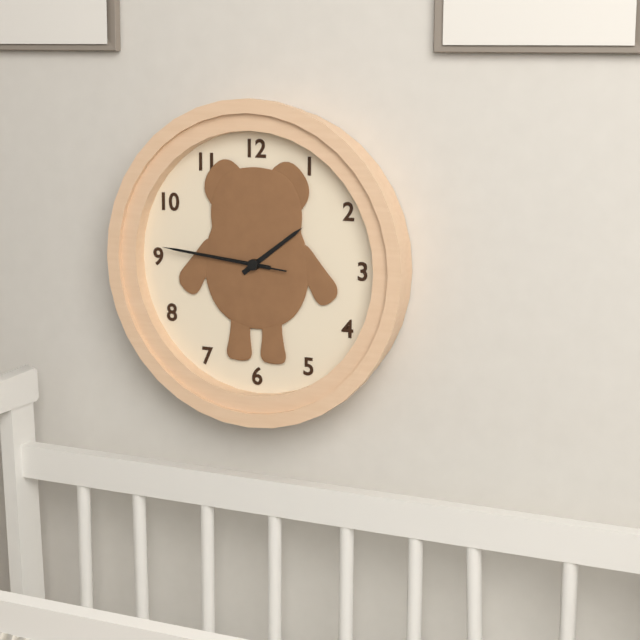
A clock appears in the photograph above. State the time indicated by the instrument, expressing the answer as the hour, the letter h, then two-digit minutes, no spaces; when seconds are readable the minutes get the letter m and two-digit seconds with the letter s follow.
1h46m46s
